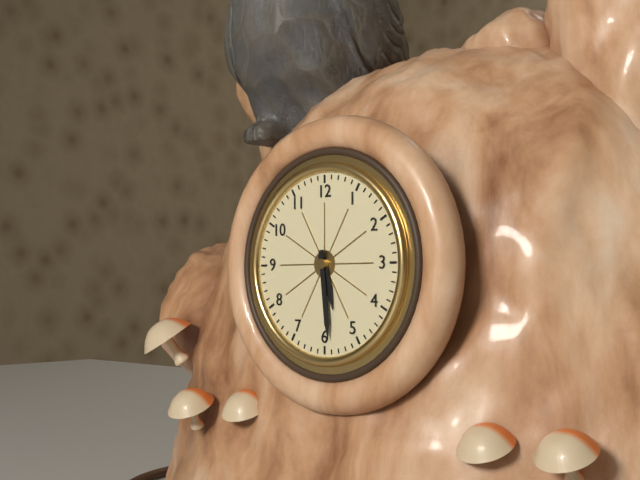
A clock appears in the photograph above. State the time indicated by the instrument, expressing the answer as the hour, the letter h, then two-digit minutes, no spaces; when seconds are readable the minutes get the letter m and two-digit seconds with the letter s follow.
5h29
